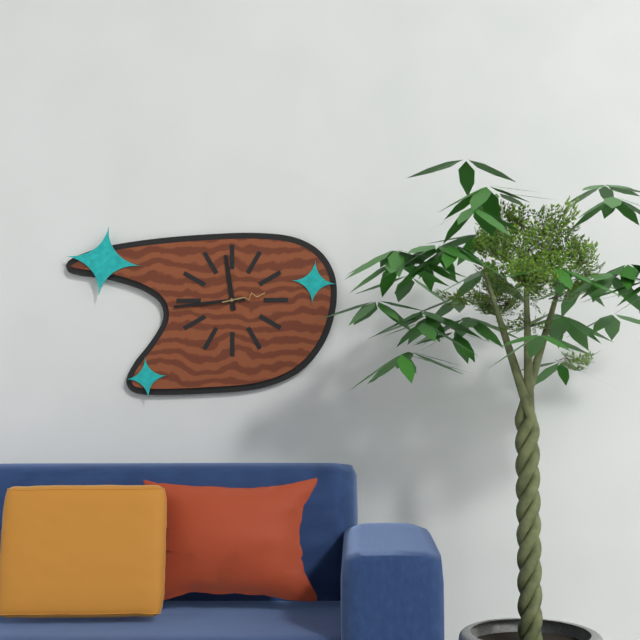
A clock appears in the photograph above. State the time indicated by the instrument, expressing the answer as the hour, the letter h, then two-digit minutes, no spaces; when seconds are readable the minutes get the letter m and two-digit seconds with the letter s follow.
11h44
